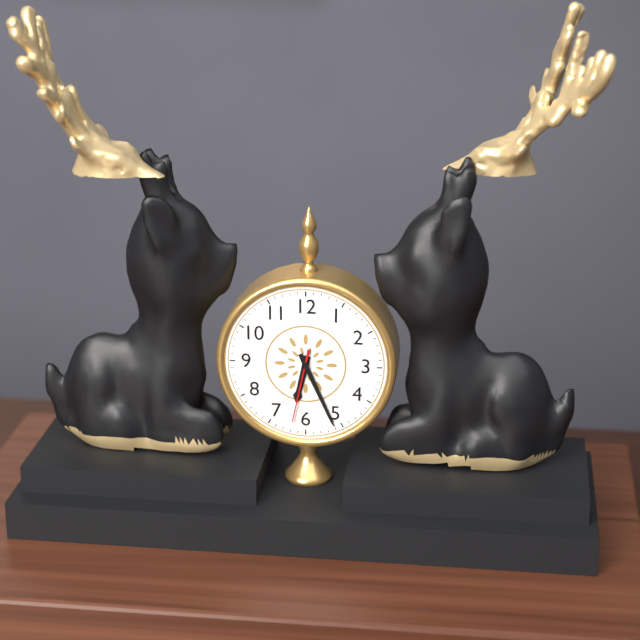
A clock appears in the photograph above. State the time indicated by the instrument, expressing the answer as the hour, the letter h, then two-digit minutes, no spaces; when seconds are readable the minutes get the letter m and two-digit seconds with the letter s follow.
6h26m32s
